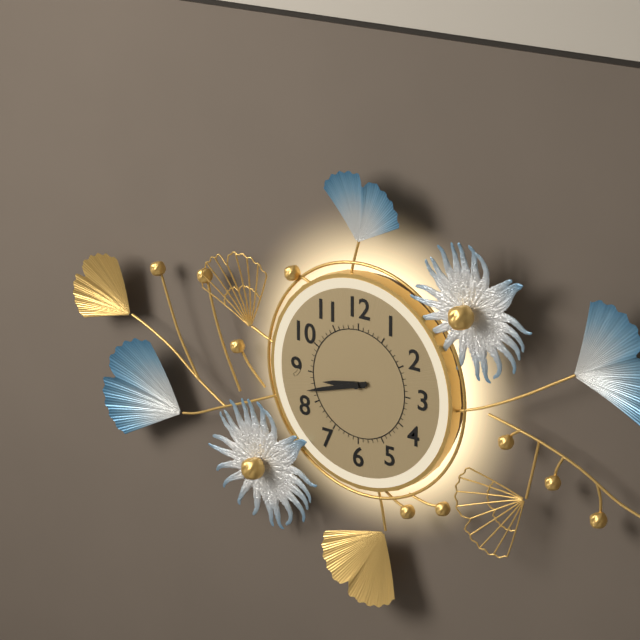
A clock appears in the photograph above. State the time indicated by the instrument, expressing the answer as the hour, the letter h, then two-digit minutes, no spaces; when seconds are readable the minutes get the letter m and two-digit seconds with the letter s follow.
8h42
